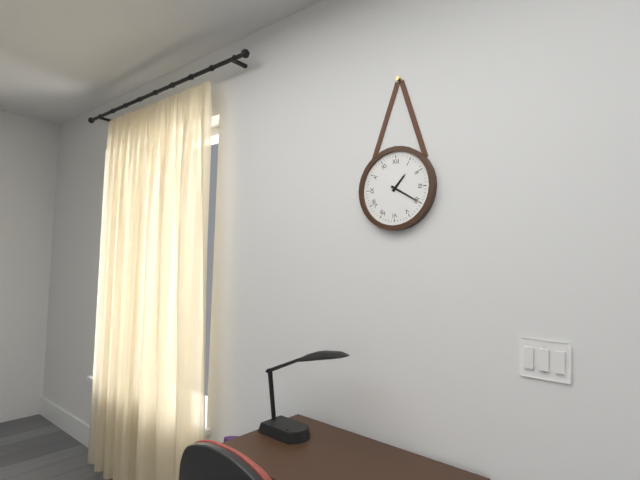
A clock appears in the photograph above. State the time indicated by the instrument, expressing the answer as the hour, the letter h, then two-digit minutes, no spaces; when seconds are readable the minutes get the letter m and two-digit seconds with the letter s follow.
1h20
